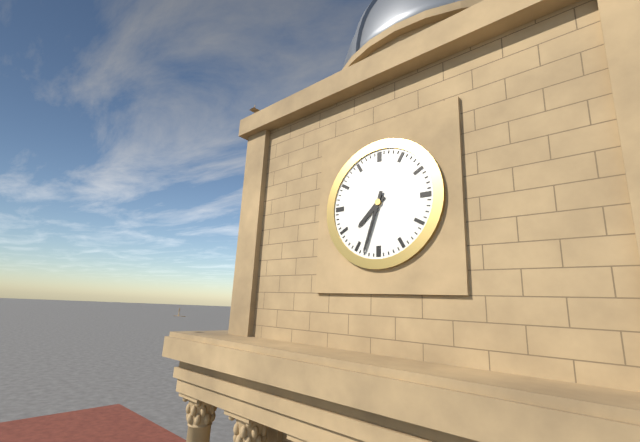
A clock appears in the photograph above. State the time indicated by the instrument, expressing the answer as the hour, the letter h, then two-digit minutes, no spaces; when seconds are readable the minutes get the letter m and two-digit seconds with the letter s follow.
7h33
